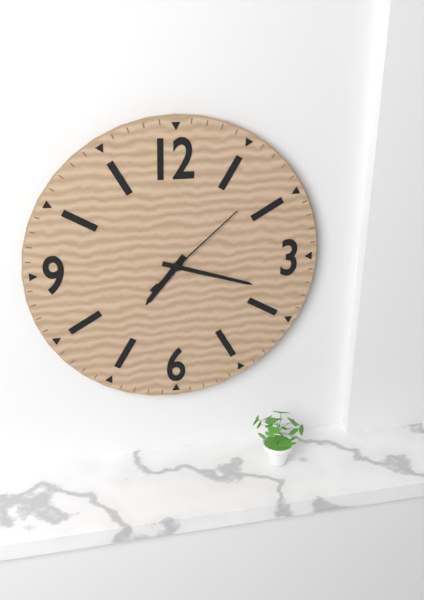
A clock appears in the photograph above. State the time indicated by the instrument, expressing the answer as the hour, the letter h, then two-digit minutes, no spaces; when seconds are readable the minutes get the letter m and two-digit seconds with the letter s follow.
7h18m08s
